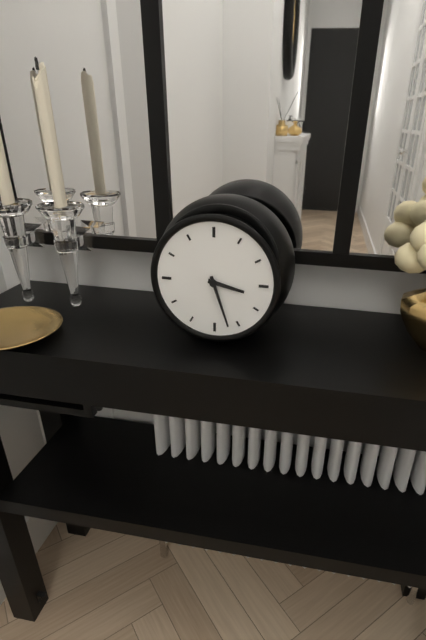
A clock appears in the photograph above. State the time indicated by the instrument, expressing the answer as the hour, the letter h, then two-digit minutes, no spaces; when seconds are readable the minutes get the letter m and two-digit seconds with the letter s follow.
3h27
